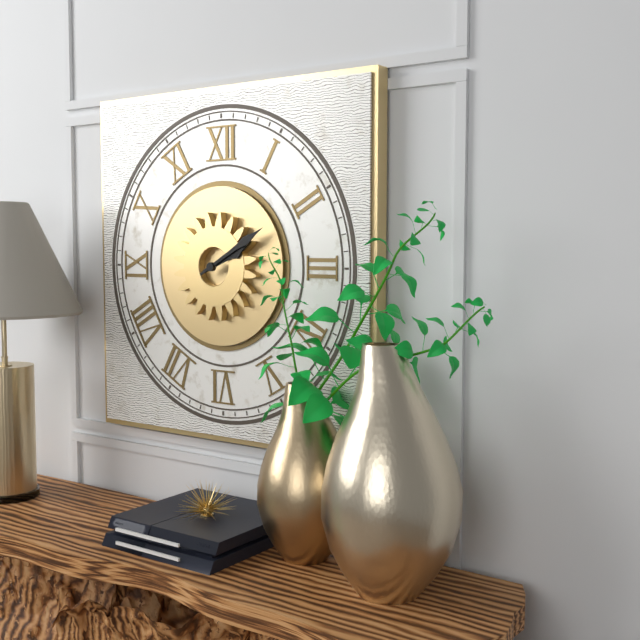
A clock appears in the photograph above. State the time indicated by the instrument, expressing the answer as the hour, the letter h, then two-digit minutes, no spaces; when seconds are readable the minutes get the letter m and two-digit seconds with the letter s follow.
2h10
